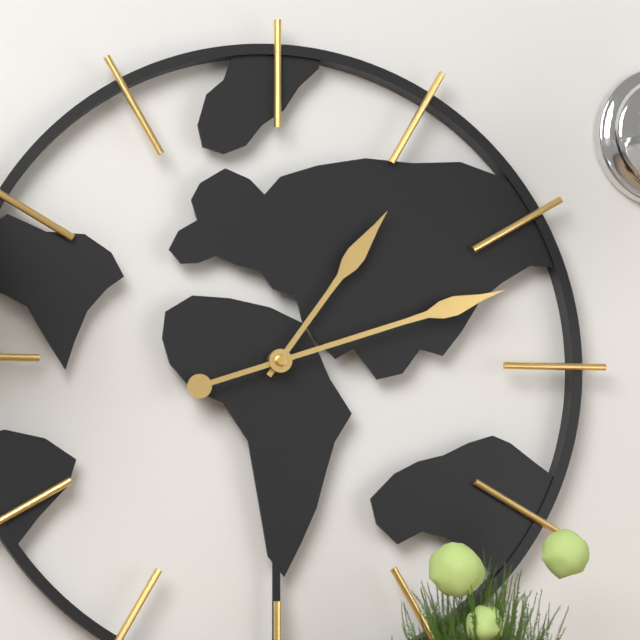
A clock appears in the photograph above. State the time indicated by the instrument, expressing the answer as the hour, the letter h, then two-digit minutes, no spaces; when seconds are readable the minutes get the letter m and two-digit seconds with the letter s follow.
1h12
